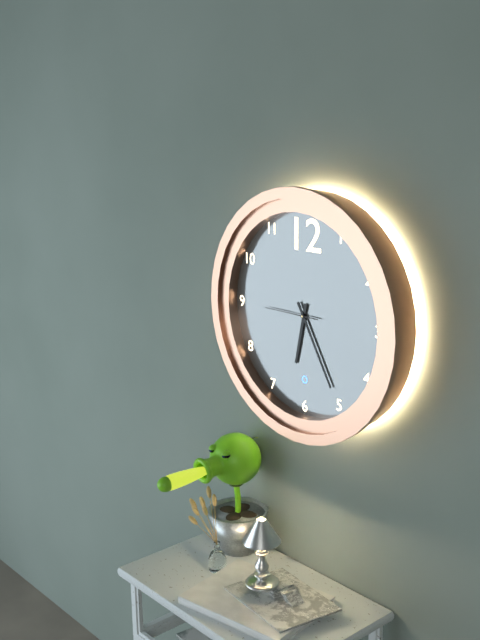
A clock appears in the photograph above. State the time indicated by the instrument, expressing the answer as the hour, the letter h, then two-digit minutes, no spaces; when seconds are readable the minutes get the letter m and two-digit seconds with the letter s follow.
6h25
